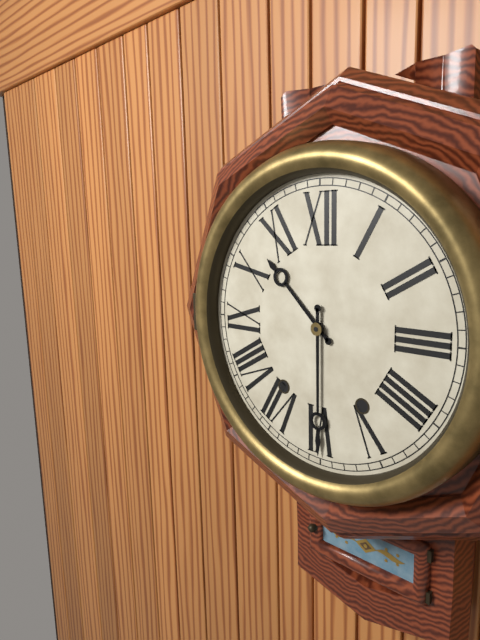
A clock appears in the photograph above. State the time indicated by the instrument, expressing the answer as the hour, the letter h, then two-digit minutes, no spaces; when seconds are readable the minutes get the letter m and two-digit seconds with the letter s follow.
10h30
